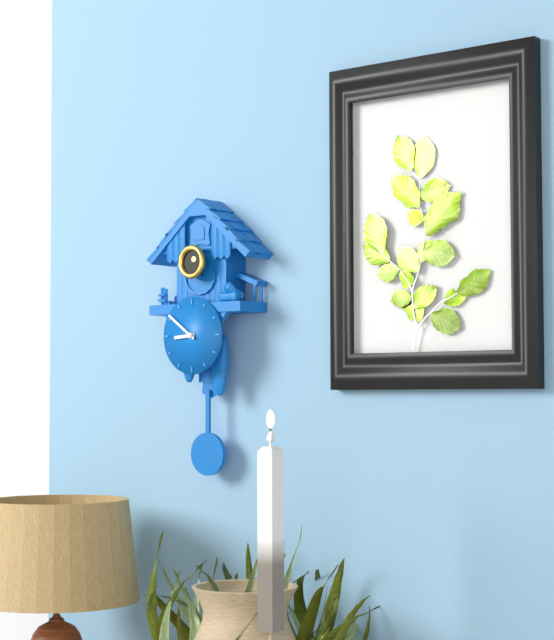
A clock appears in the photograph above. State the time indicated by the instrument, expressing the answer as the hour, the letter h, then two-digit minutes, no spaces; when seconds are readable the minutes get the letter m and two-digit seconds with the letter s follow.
8h51
